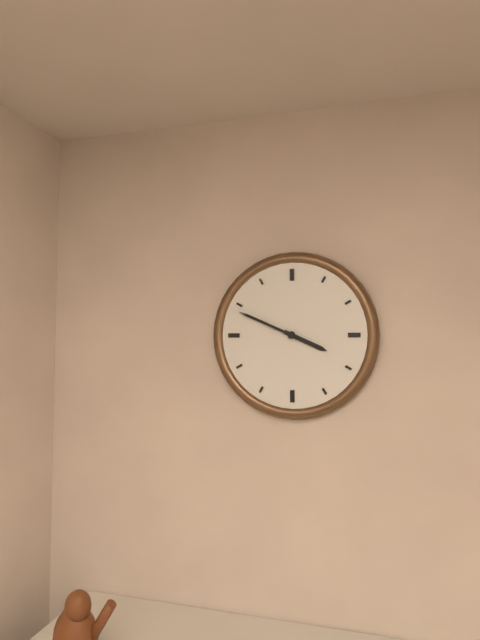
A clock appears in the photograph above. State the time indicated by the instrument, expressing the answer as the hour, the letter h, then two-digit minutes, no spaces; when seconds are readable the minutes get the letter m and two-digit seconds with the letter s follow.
3h49
